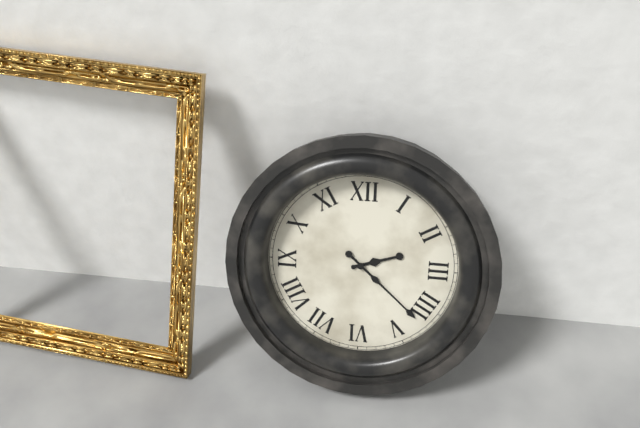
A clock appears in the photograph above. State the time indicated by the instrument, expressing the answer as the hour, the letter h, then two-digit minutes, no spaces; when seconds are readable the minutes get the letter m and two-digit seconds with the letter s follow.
2h22
